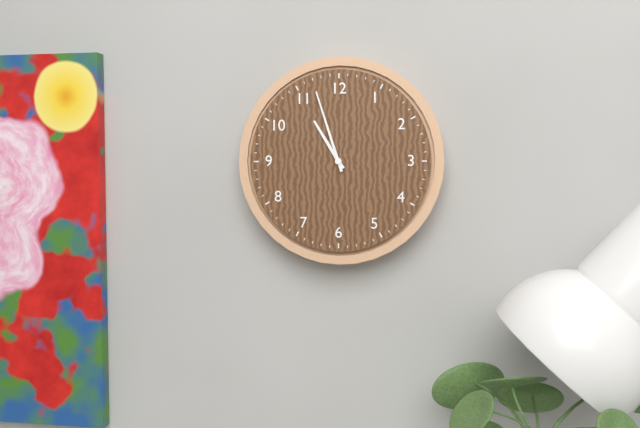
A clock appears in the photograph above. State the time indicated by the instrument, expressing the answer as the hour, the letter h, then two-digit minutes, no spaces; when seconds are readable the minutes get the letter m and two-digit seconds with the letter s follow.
10h57
